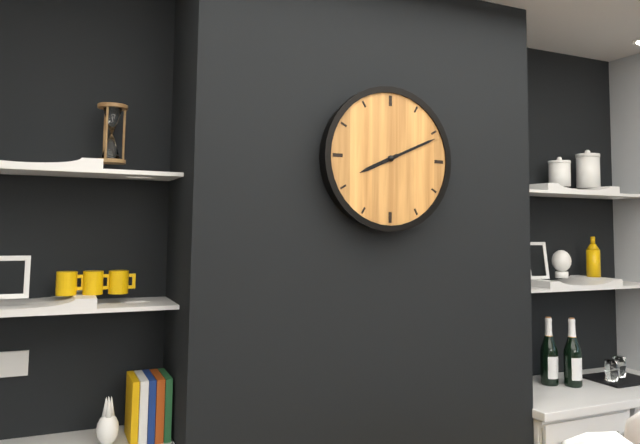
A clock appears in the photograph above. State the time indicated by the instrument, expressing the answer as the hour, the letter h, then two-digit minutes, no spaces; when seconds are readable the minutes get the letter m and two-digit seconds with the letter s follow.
8h11
